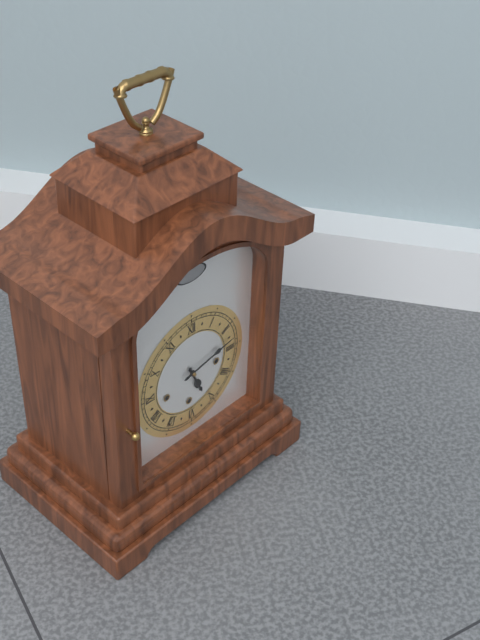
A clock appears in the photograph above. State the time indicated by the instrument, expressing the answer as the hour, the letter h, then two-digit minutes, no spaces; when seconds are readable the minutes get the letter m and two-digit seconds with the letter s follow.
5h13
